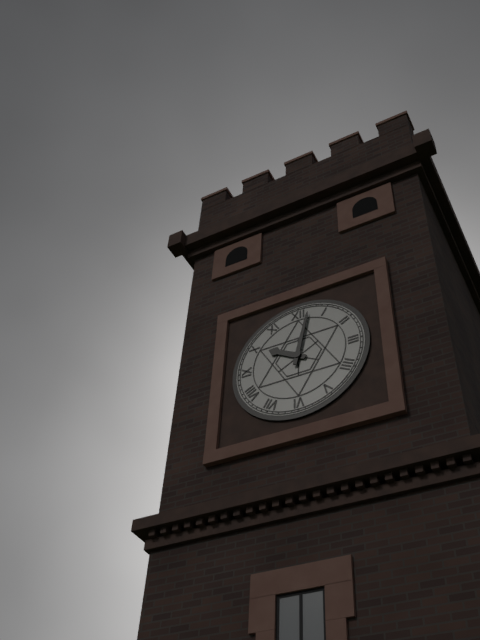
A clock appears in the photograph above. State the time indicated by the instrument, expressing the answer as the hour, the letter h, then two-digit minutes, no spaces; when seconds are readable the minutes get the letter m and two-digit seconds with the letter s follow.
10h02
